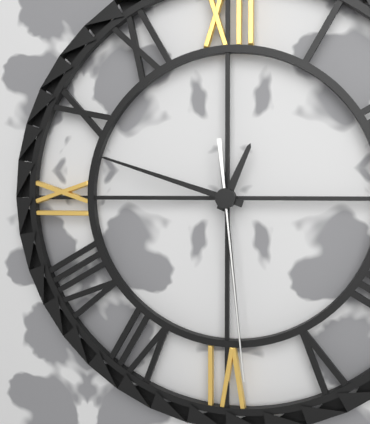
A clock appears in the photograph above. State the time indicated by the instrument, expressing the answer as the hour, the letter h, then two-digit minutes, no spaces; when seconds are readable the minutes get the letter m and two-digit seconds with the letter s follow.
12h48m29s
